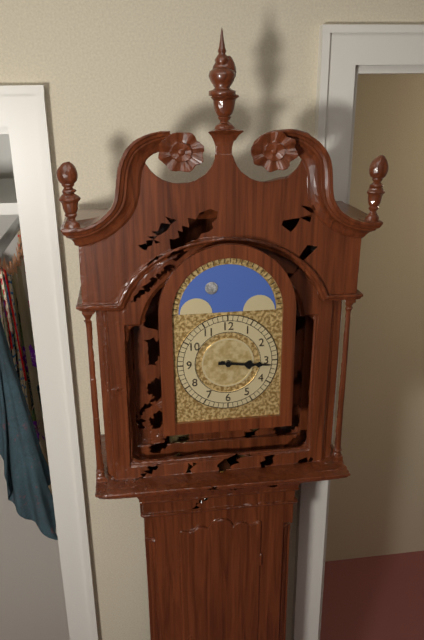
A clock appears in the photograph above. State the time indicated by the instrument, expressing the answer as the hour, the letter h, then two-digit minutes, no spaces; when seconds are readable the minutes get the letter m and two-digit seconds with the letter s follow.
3h16
